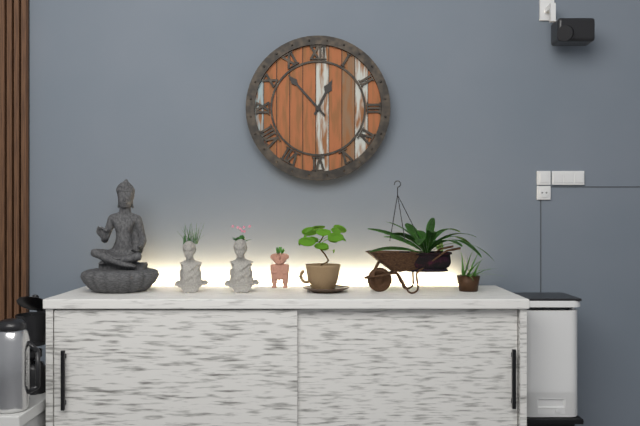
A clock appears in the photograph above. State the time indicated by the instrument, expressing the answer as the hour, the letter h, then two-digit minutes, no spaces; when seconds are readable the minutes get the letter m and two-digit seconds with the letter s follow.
12h53
